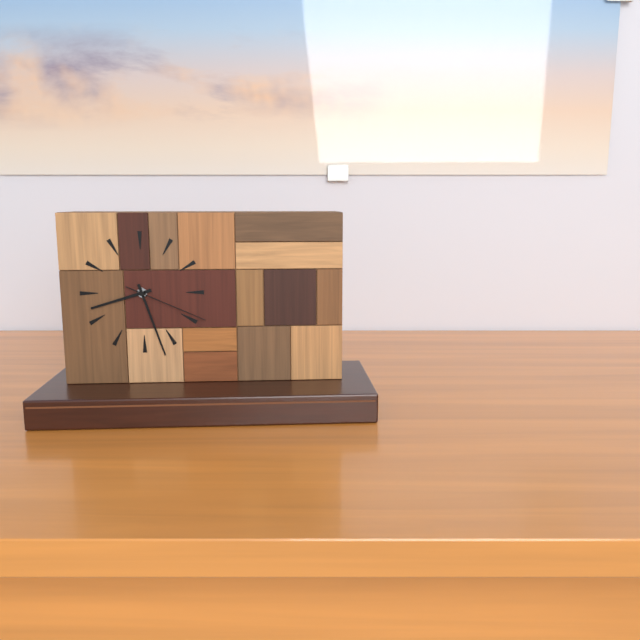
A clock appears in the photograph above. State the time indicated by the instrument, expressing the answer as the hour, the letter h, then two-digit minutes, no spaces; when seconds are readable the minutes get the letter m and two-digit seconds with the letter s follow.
8h27m19s
